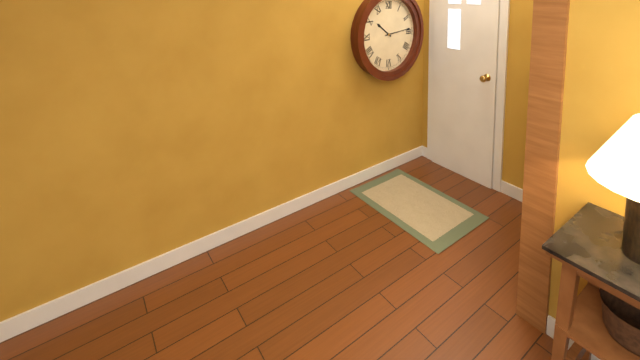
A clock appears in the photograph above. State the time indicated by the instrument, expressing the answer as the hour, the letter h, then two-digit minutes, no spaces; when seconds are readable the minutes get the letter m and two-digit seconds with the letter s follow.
10h14
